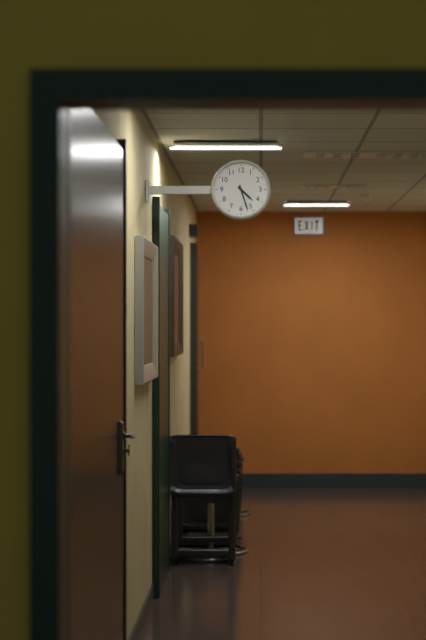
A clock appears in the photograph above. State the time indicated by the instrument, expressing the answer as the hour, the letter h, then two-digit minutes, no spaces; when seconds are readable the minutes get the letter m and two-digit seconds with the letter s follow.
4h27
